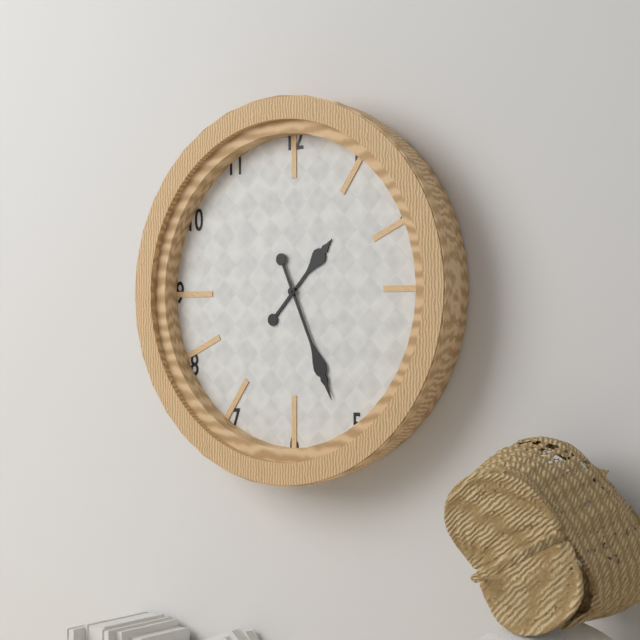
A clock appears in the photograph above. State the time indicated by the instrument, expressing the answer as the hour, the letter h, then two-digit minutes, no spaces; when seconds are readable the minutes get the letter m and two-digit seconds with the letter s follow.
1h26
